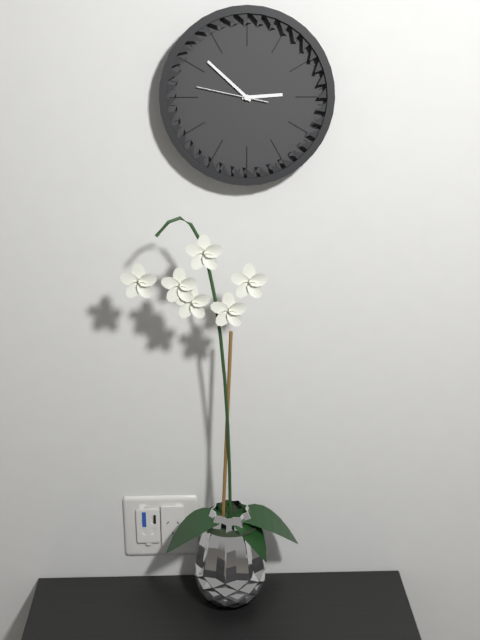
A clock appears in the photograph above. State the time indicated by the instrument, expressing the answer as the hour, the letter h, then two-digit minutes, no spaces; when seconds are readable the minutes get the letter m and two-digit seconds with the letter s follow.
2h52m47s
